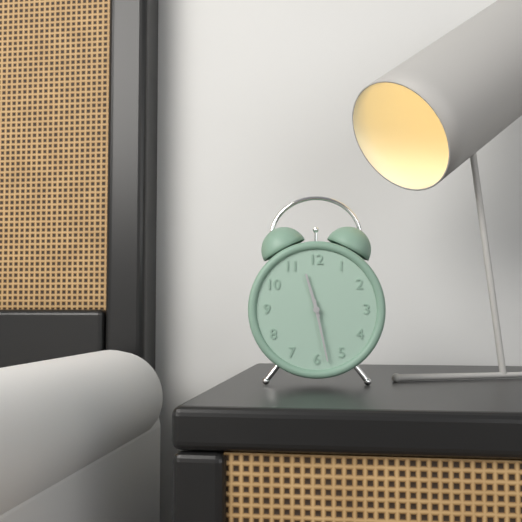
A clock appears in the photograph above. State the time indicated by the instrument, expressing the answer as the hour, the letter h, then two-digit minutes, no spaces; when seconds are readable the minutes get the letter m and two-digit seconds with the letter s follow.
11h28
